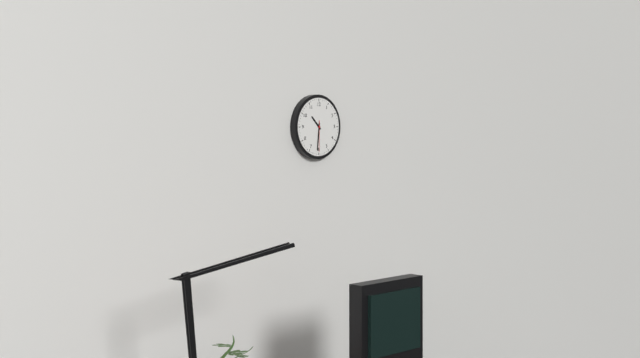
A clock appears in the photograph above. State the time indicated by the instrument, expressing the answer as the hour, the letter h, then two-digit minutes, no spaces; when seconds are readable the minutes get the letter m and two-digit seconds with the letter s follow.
10h31
